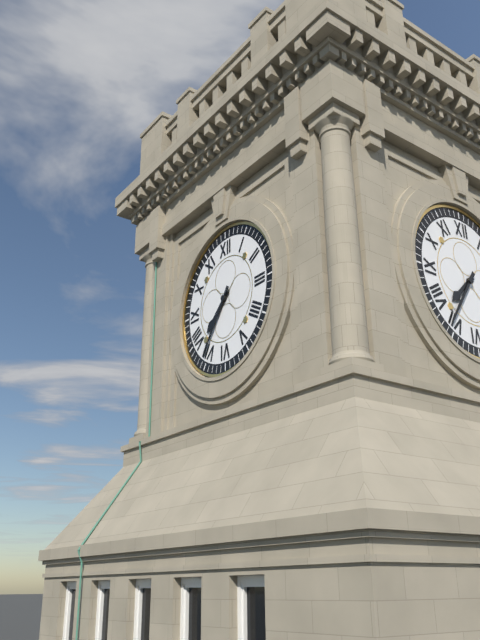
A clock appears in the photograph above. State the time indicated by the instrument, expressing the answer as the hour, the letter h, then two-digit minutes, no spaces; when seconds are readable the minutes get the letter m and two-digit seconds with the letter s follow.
7h36
